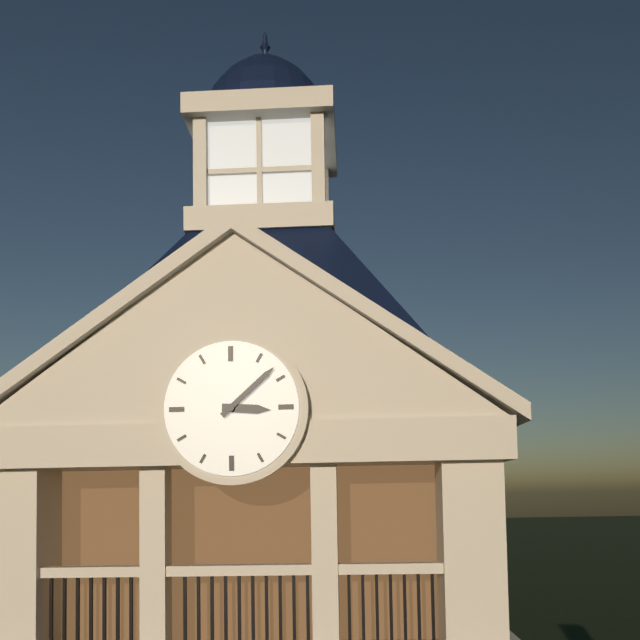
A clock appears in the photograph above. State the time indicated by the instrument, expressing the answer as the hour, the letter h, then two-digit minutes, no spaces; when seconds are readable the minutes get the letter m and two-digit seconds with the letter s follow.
3h08
